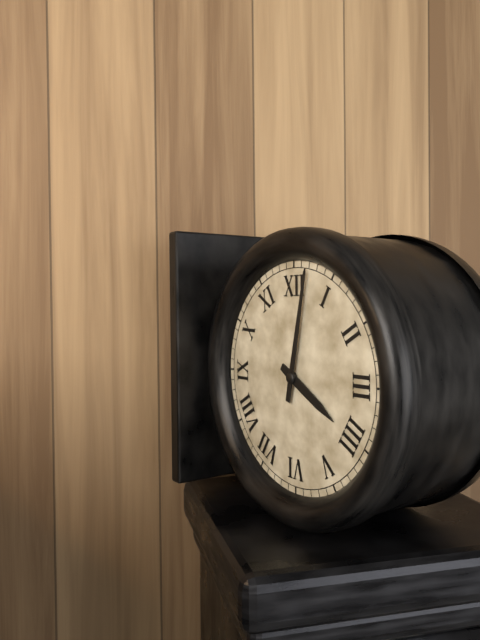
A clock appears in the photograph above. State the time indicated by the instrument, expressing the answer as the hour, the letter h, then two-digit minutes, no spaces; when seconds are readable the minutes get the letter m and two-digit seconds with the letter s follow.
4h02
